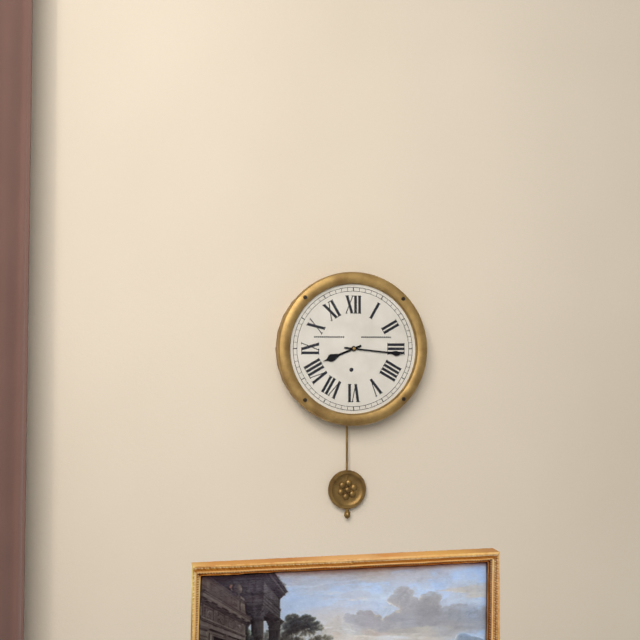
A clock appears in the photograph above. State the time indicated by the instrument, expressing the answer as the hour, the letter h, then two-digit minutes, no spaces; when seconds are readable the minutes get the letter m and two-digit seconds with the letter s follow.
8h16
